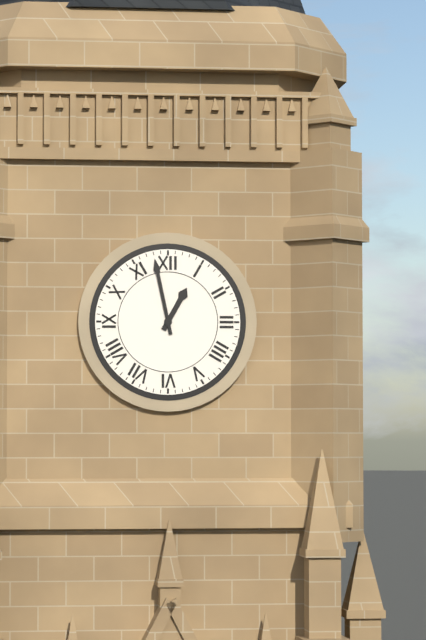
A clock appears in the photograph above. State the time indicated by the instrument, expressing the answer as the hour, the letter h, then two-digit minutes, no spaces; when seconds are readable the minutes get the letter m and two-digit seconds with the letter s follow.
12h58
